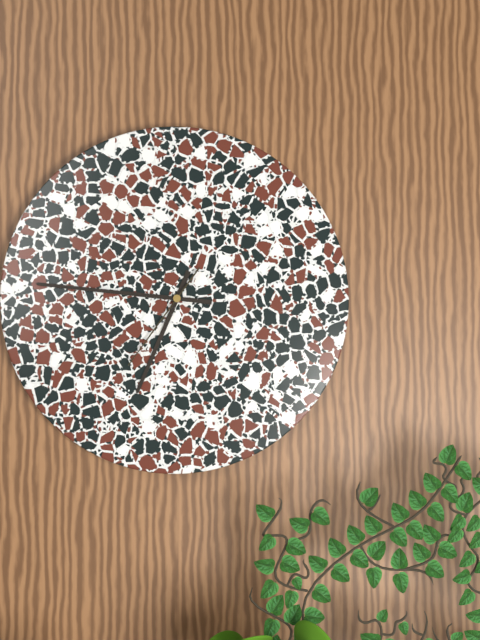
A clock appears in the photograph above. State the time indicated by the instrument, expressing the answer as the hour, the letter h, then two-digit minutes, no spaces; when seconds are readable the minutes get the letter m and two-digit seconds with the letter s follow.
6h46m36s
